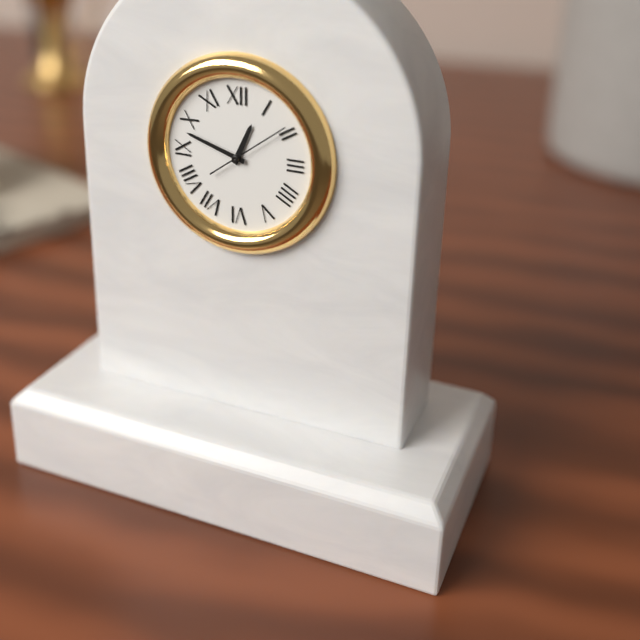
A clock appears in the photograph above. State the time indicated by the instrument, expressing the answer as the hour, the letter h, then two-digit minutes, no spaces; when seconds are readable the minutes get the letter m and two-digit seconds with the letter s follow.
12h48m09s
